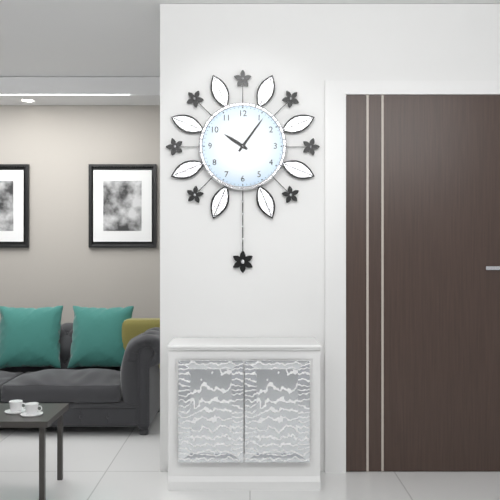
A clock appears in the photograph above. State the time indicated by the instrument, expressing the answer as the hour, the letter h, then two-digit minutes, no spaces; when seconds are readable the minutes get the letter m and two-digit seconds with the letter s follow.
10h06
